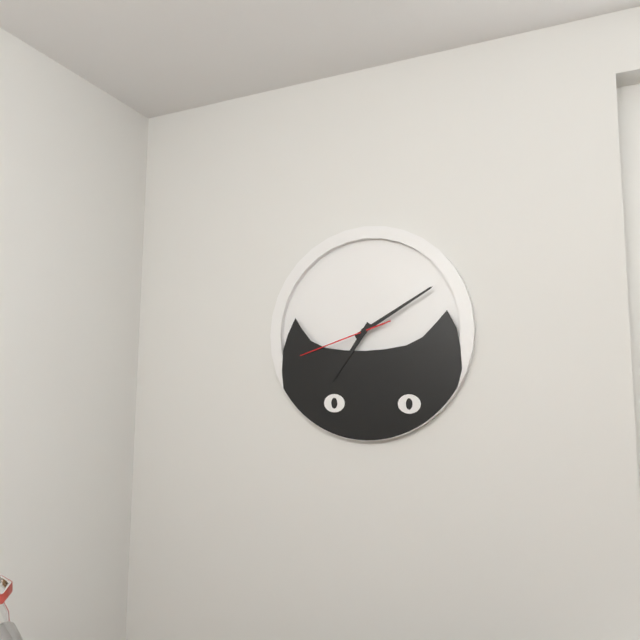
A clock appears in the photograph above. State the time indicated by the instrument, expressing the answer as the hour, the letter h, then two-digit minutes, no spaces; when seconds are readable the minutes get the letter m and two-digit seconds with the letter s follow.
7h10m42s
